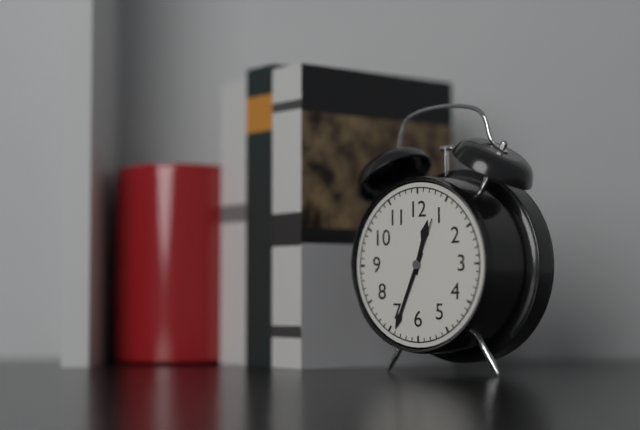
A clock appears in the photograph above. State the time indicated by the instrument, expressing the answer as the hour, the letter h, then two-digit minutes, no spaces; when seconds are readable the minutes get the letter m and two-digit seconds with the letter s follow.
12h34m04s
